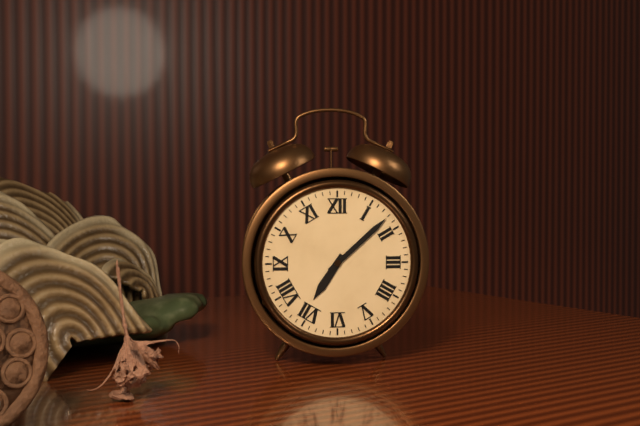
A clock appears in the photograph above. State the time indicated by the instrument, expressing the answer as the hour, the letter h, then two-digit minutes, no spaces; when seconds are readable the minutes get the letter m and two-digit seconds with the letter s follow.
7h08
